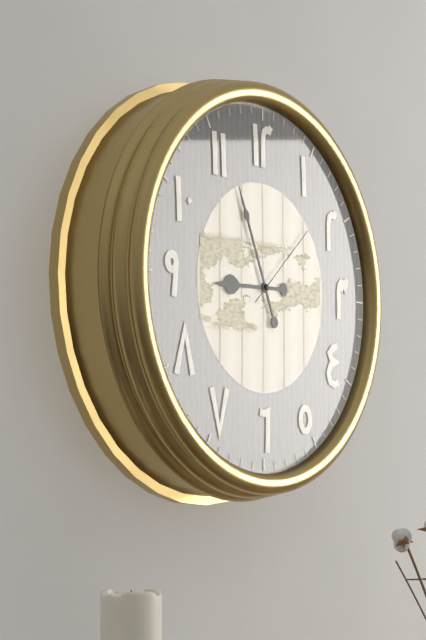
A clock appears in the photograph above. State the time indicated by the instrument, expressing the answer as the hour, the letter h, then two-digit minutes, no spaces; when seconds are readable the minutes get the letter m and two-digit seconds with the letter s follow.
8h56m08s
